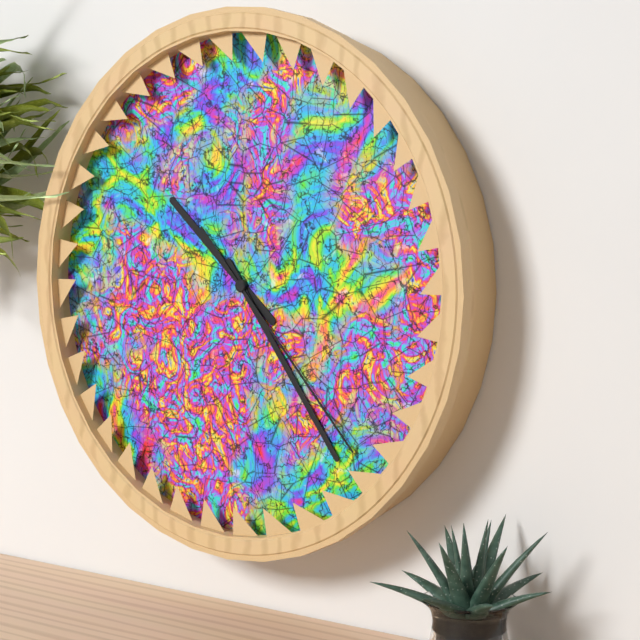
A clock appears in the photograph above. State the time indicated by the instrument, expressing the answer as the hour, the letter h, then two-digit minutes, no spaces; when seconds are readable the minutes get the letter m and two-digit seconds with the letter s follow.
10h24m23s
